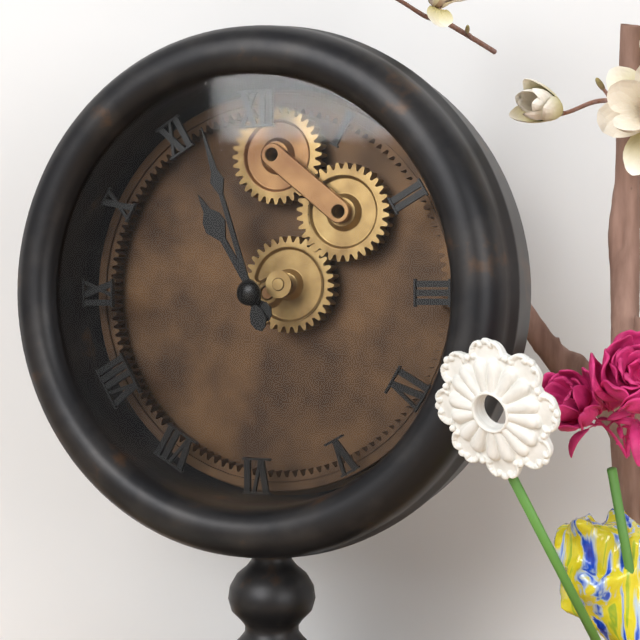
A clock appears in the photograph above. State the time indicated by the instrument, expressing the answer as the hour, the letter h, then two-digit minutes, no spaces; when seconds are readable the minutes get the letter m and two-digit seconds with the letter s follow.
10h57
